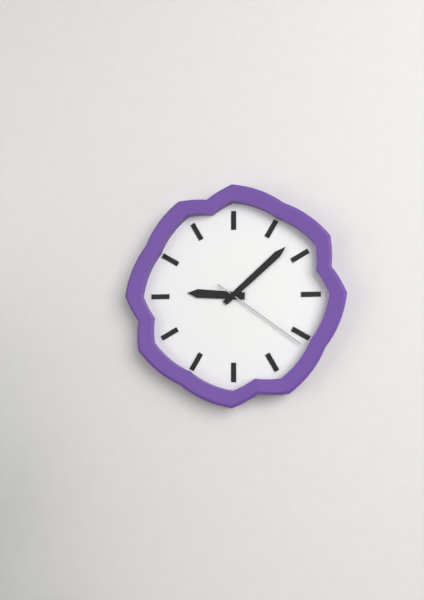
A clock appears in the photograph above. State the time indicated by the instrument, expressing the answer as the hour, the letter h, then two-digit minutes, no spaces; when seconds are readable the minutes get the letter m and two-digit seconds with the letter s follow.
9h08m21s
